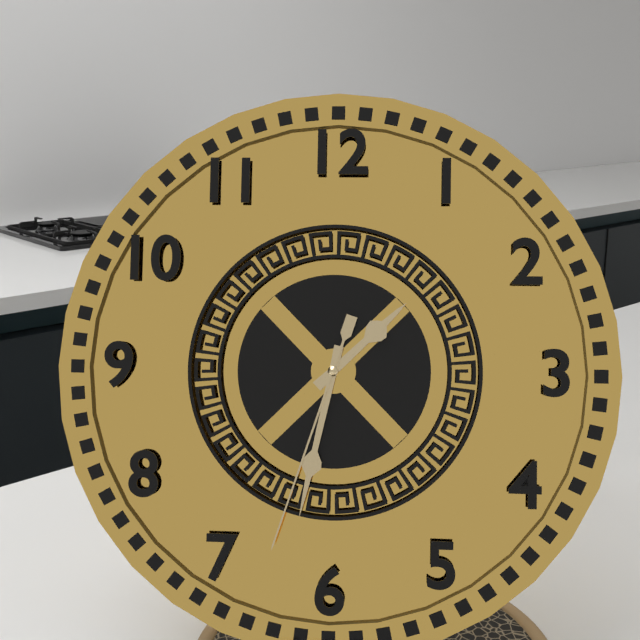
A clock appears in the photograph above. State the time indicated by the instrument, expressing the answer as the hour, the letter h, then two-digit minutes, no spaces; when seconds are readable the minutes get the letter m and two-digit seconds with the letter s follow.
1h32m33s
